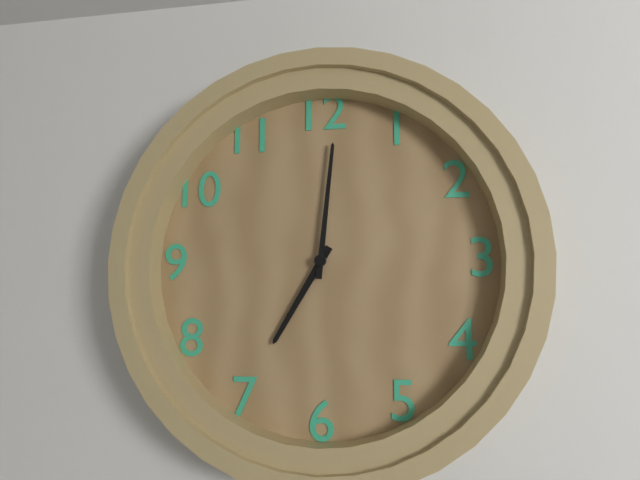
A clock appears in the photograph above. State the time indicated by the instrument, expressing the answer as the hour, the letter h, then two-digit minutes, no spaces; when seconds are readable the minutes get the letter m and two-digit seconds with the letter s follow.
7h01
